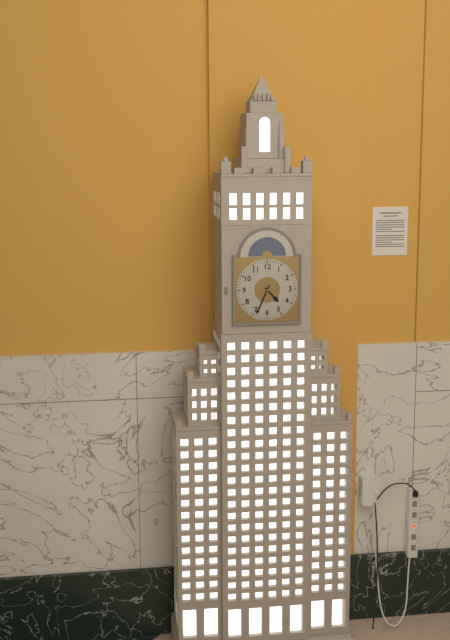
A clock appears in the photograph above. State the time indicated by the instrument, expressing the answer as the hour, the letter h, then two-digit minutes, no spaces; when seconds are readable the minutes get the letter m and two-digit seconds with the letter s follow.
4h34
